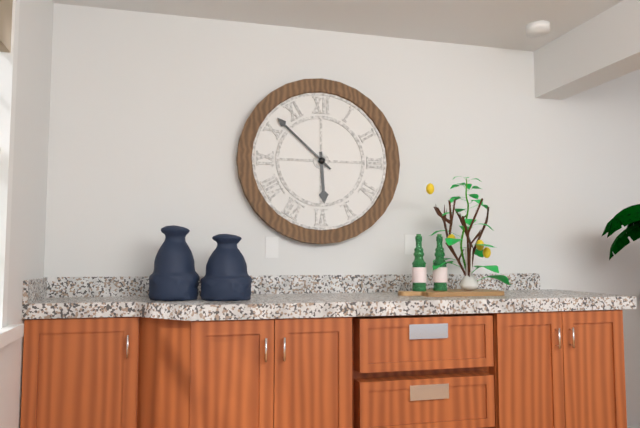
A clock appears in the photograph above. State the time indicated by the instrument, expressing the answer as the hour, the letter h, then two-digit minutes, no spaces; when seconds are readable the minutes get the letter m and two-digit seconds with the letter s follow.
5h52
